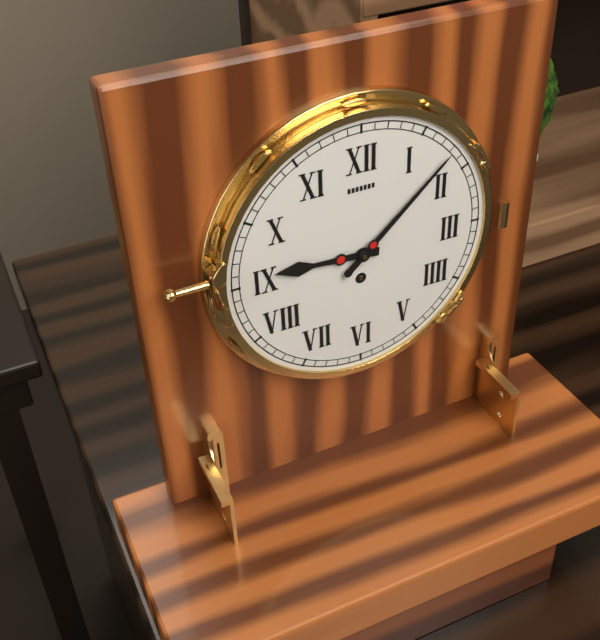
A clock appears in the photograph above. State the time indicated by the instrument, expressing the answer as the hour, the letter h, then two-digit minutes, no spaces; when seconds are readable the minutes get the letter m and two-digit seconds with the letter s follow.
9h08
